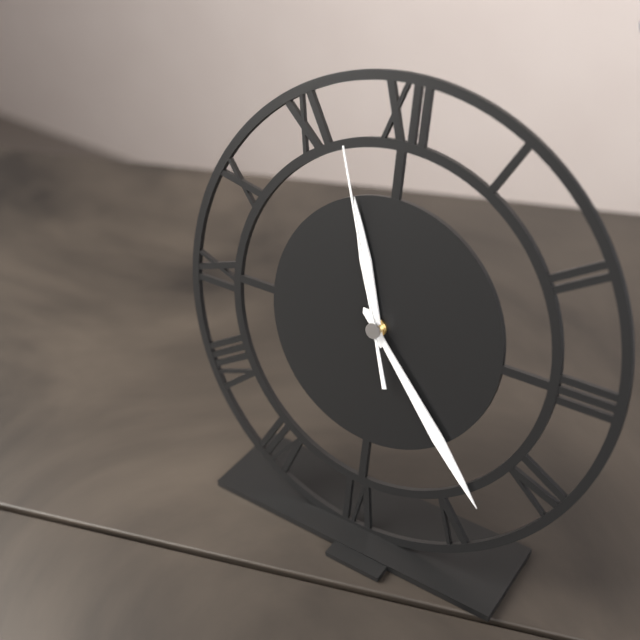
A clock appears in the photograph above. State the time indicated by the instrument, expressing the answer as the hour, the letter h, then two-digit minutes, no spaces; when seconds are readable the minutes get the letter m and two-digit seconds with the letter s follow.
11h23m57s
